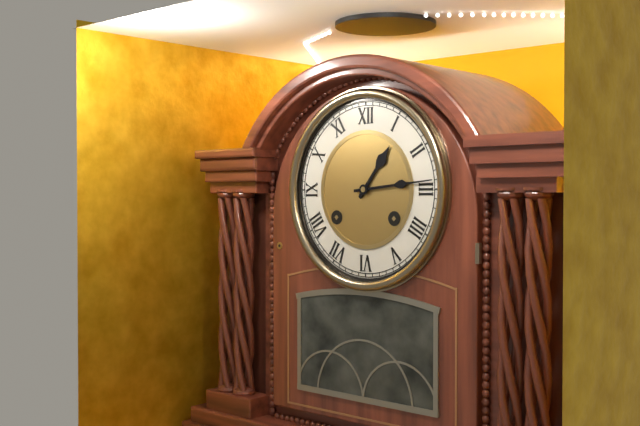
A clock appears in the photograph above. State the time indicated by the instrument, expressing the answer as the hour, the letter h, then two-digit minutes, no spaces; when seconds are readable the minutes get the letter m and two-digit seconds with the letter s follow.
1h14
